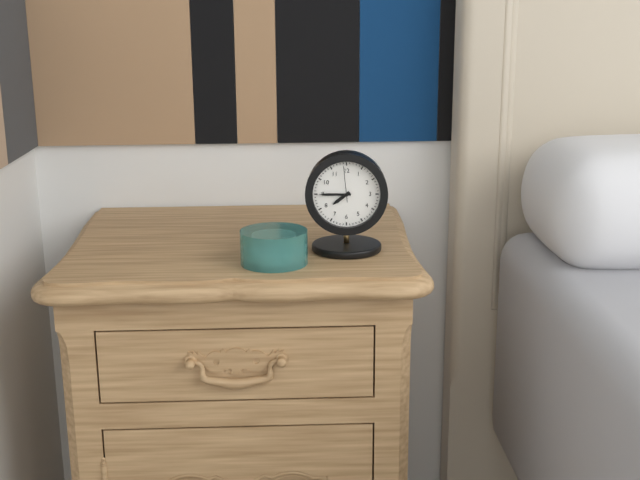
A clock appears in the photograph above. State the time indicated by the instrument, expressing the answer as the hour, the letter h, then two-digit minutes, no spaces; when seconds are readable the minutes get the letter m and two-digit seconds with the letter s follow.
7h45
